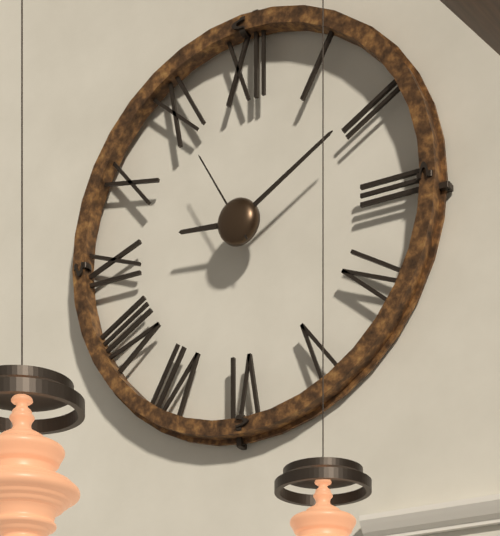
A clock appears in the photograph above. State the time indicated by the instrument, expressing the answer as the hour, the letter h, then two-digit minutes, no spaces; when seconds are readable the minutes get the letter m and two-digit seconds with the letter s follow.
9h10m55s
